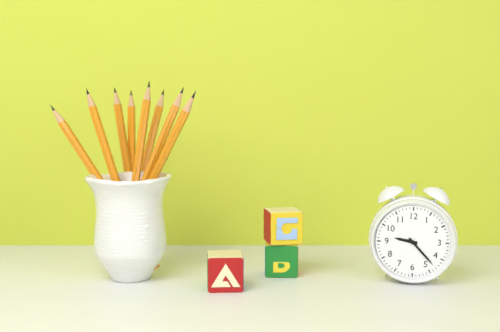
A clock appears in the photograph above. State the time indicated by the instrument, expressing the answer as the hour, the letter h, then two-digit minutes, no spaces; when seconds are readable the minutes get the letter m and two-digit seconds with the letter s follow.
9h23
